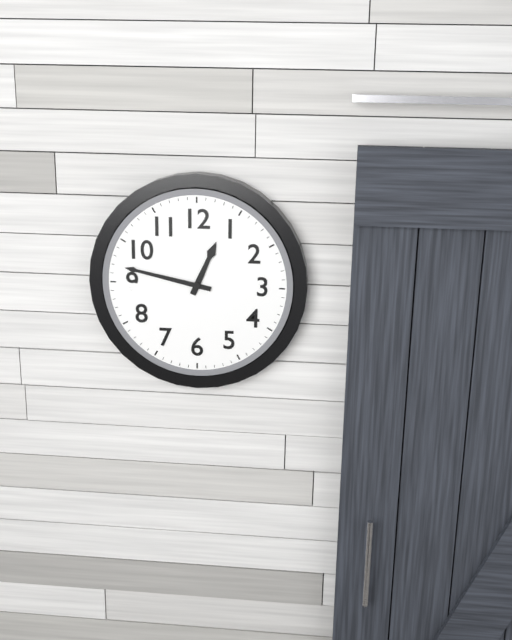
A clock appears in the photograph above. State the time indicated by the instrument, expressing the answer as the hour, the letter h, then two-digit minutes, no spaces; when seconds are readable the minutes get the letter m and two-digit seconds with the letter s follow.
12h47
